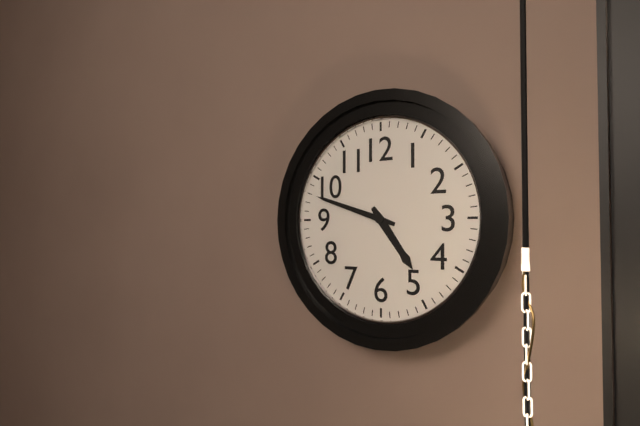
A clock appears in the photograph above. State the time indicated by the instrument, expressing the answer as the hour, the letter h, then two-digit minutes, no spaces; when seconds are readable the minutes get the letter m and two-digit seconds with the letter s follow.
4h48
